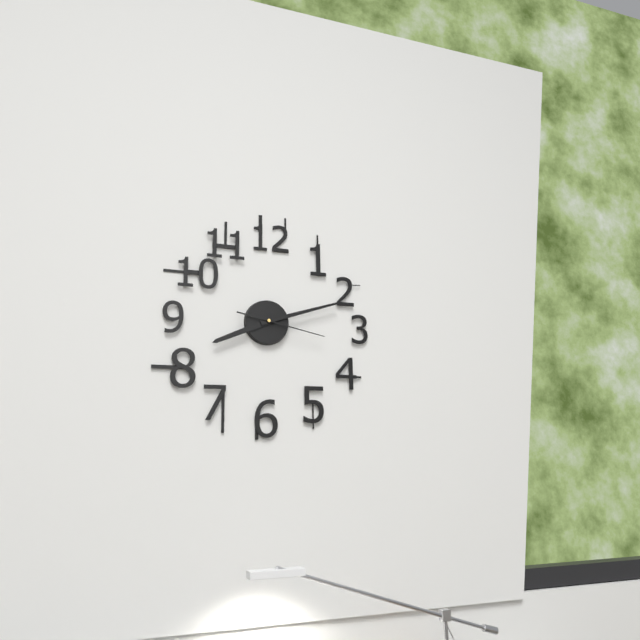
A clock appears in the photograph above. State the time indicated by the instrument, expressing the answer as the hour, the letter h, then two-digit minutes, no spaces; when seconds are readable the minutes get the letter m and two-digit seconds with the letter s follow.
8h12m17s
